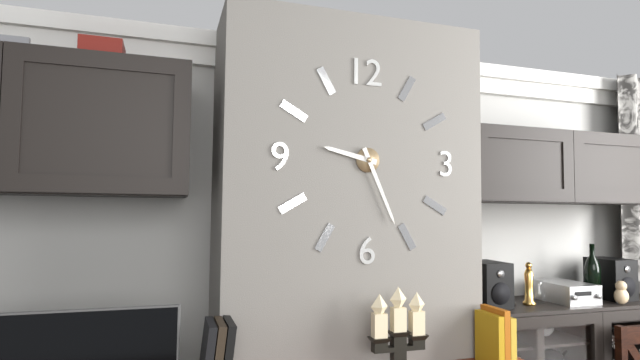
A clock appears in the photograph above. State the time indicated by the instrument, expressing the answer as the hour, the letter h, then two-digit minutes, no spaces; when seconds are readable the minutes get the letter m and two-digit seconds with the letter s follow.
9h26
